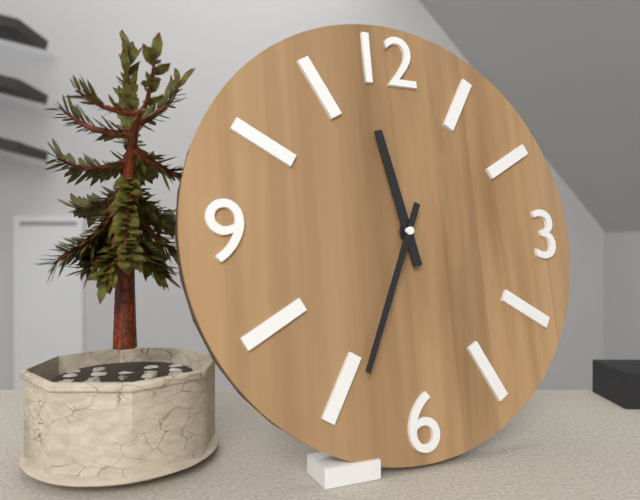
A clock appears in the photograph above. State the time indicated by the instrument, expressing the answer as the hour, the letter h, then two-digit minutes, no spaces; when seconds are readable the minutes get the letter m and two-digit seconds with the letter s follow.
11h34
